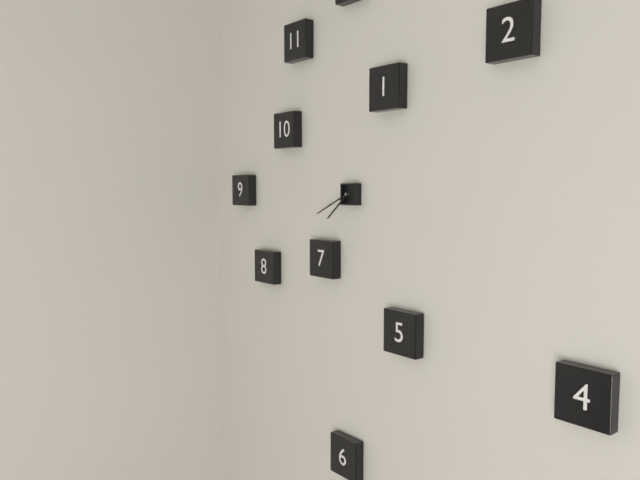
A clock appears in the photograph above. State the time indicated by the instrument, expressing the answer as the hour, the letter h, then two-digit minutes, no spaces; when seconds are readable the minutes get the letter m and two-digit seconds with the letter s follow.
7h41
